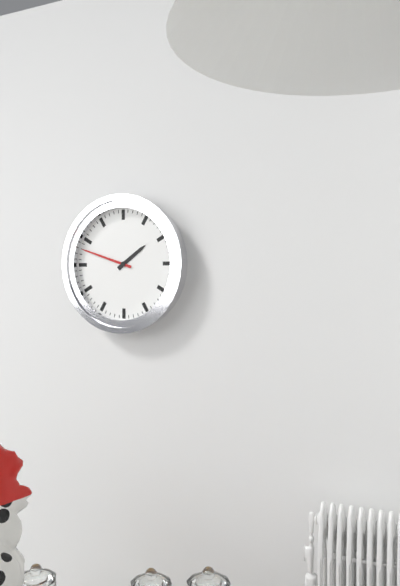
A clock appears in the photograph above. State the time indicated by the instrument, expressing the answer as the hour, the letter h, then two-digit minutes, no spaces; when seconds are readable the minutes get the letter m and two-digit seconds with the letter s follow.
1h48
